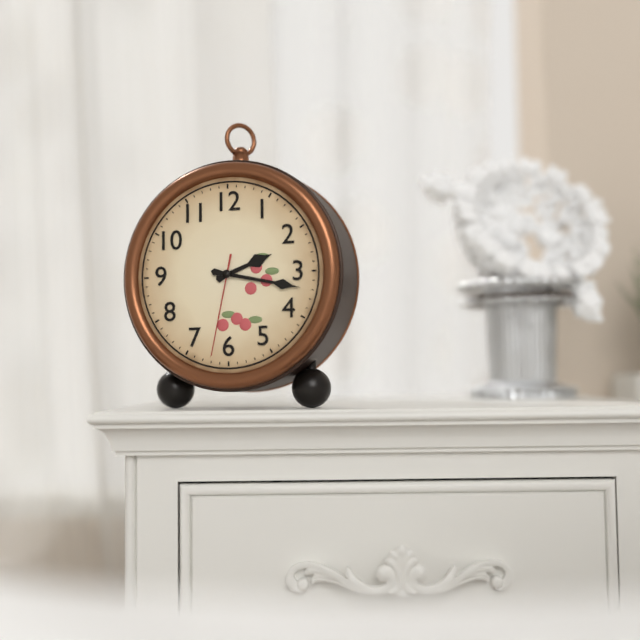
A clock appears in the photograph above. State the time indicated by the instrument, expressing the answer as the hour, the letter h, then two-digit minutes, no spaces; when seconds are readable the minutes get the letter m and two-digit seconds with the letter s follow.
2h17m32s
